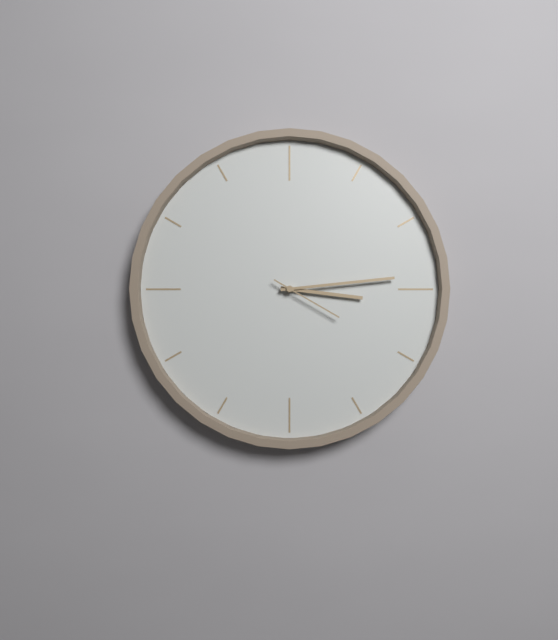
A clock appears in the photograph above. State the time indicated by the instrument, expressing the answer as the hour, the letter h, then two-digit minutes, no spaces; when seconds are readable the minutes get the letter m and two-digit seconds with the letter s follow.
3h14m20s
